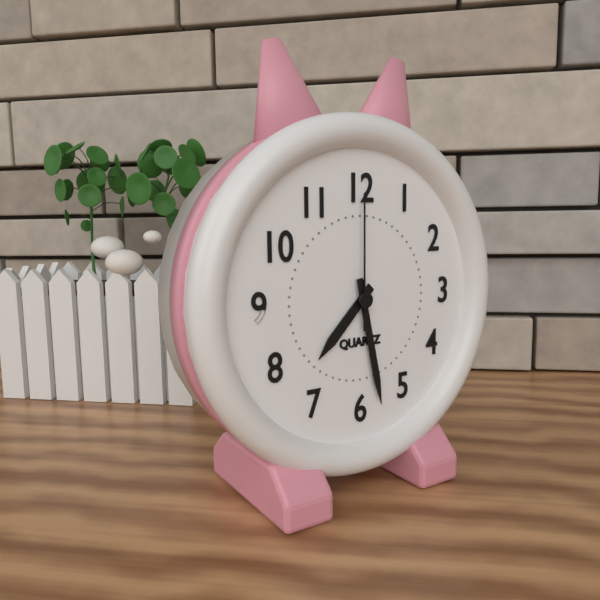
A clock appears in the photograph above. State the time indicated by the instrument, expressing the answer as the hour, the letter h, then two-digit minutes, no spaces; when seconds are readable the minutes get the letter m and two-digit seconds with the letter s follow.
7h28m00s
